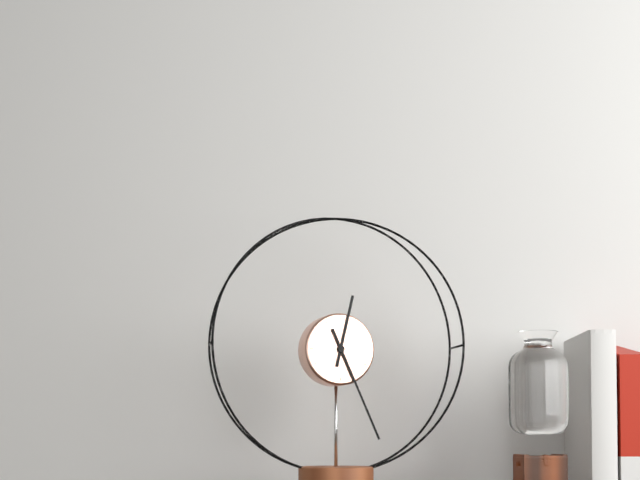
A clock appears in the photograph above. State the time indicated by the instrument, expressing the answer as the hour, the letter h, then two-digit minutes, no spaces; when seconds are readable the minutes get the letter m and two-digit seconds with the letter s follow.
12h26
